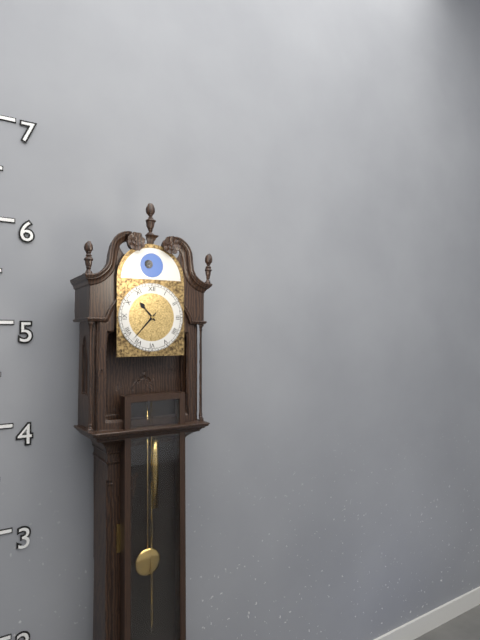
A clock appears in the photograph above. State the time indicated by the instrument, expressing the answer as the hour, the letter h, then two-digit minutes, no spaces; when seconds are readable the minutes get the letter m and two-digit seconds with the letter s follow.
10h37
